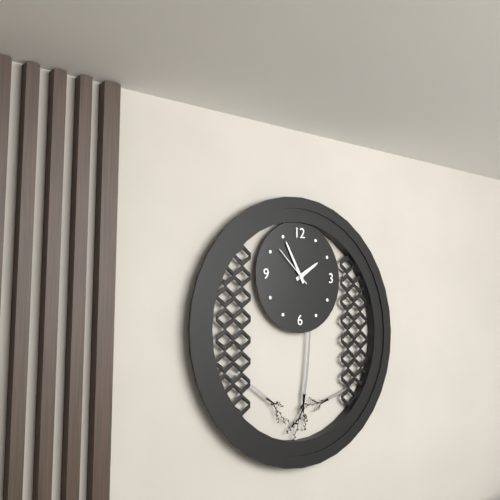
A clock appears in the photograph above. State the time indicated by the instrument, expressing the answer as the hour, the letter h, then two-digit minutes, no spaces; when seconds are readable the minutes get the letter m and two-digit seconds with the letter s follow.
1h55
